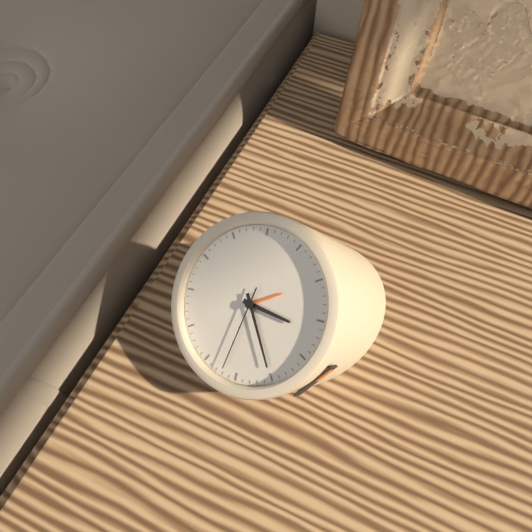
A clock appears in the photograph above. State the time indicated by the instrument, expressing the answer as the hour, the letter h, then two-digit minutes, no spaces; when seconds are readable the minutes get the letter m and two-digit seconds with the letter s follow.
2h20m27s
